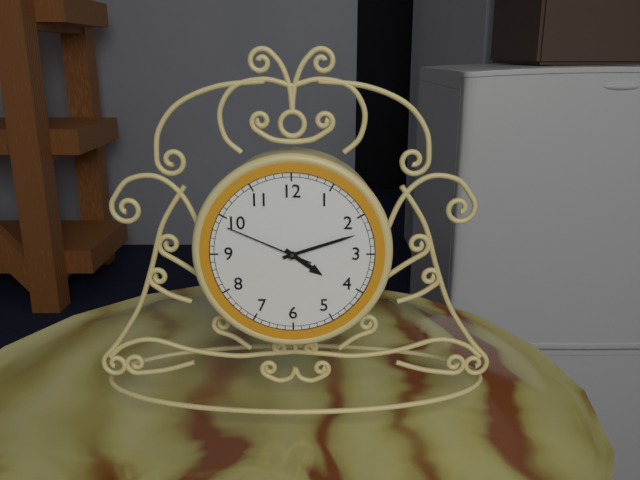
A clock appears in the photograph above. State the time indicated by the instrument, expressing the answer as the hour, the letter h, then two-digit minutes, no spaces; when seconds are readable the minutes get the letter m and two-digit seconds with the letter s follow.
4h12m49s
